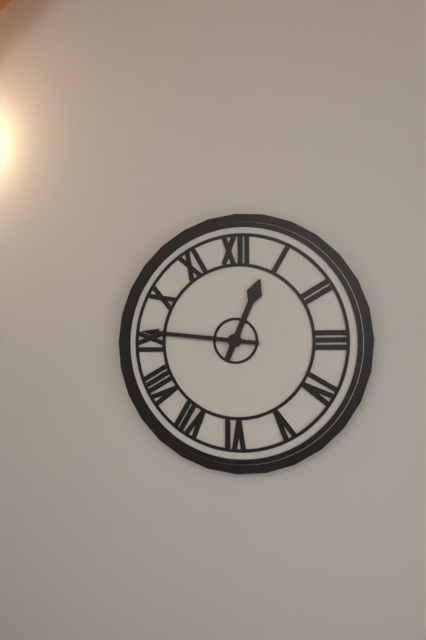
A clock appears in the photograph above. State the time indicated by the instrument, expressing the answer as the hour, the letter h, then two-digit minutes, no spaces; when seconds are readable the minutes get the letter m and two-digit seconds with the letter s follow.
12h46
